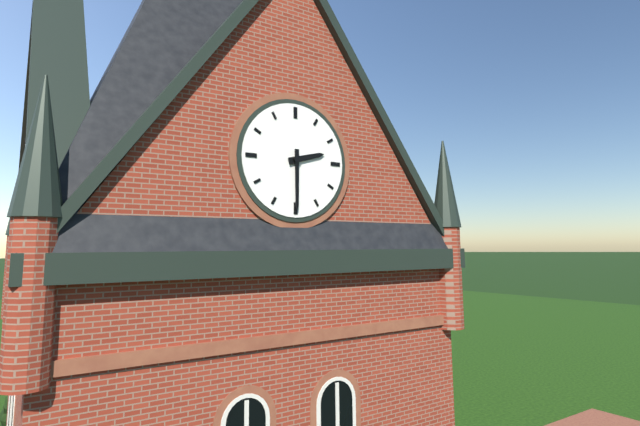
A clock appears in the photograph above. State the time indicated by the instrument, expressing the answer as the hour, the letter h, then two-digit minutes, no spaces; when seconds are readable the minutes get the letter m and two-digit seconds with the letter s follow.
2h30
